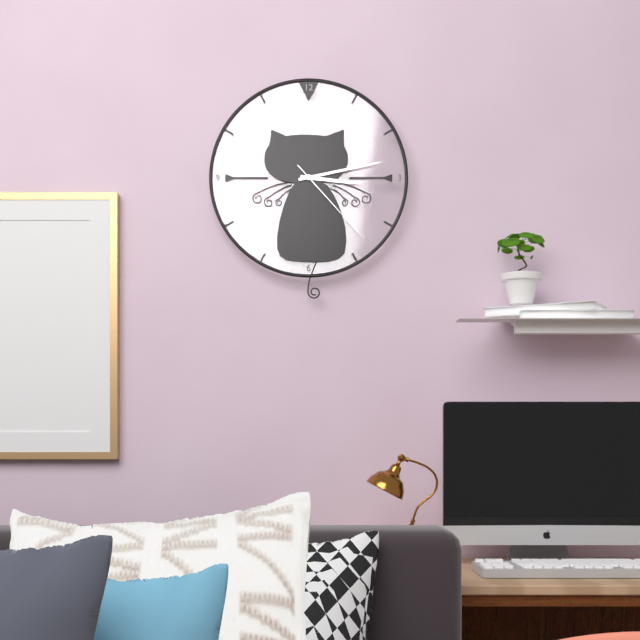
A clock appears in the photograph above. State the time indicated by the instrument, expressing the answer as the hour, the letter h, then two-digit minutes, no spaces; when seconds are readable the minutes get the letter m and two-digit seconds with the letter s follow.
3h13m23s
